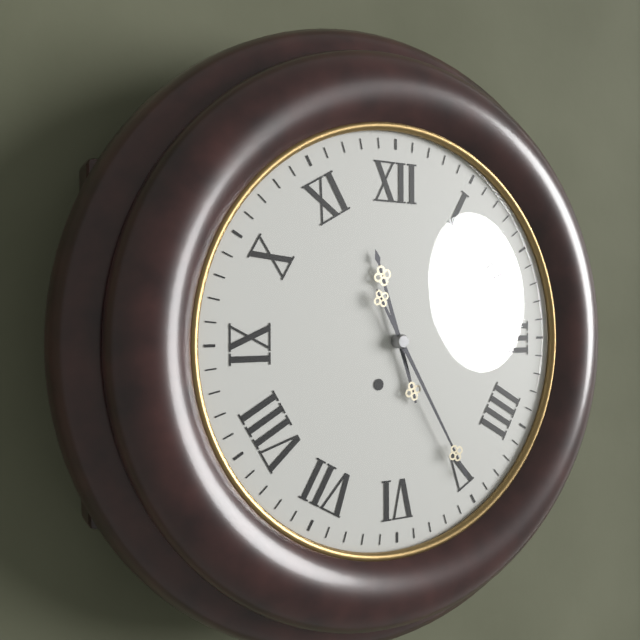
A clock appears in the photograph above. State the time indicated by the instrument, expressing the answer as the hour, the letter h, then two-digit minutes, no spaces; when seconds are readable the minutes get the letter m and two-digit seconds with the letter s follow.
11h25
